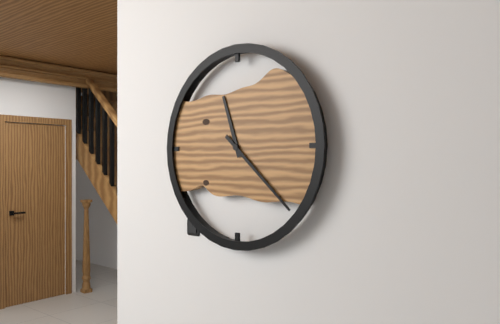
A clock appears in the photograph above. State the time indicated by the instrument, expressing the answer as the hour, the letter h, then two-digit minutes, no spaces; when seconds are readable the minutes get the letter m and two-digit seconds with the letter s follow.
11h22
